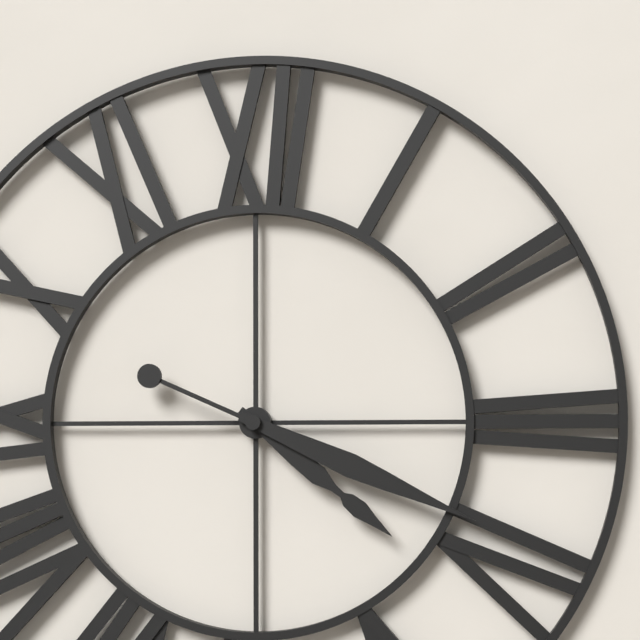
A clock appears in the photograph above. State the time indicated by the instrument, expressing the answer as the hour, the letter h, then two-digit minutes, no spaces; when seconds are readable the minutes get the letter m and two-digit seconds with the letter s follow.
4h19
